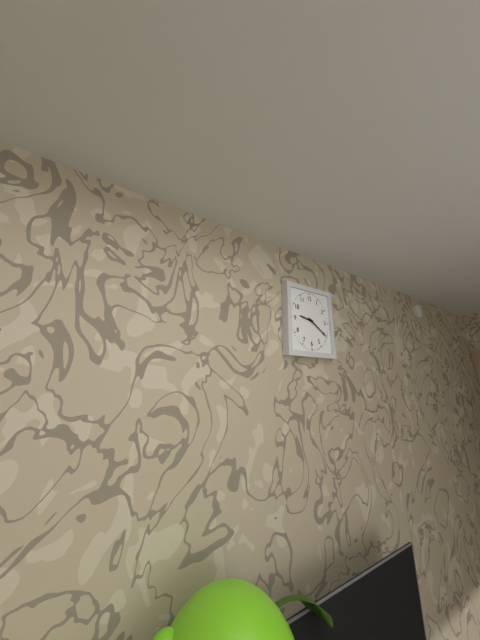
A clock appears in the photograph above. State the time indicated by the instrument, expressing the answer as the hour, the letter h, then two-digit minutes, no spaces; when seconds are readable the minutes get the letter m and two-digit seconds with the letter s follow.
9h20
